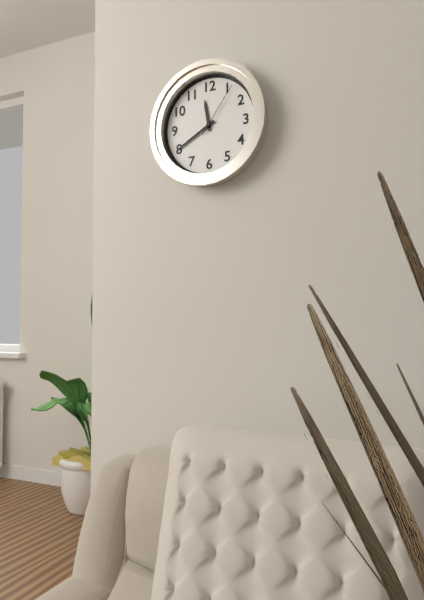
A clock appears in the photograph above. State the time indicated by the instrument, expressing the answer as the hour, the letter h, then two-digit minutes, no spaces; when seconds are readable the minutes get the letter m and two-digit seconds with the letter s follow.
11h40m06s
